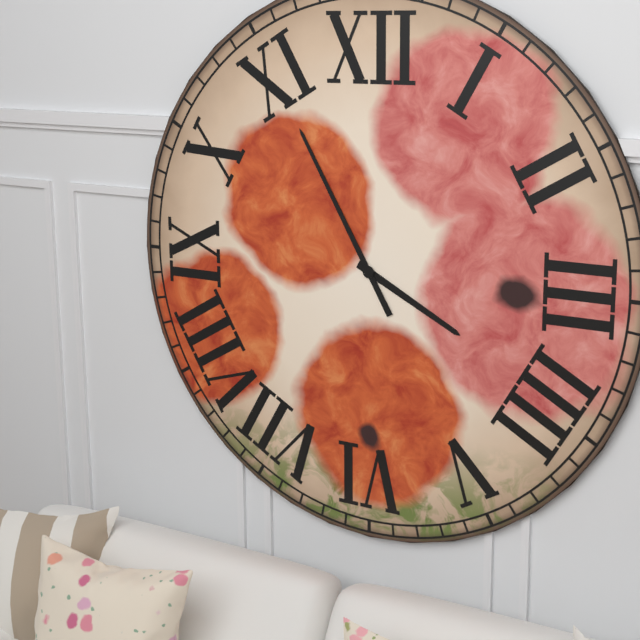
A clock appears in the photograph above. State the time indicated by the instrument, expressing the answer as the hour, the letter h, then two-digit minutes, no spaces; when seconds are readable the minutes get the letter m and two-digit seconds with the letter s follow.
3h55
